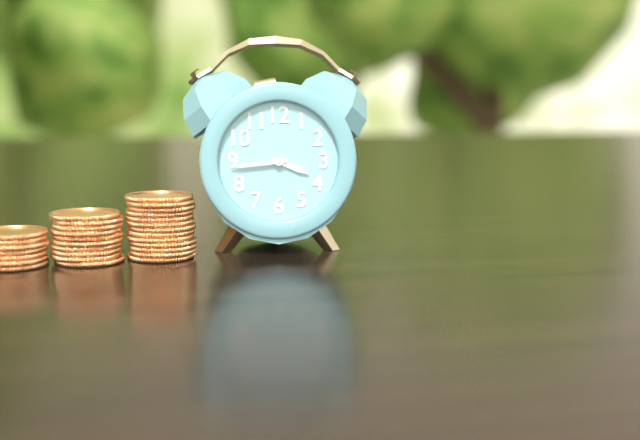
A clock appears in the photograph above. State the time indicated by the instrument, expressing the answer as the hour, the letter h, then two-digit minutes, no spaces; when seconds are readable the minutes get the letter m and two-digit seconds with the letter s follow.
3h44
